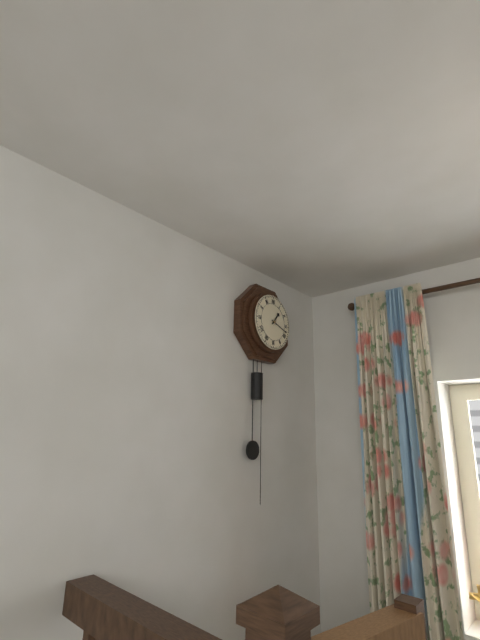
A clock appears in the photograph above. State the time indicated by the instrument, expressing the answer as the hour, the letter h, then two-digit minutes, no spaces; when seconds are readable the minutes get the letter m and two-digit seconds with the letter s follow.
1h18
